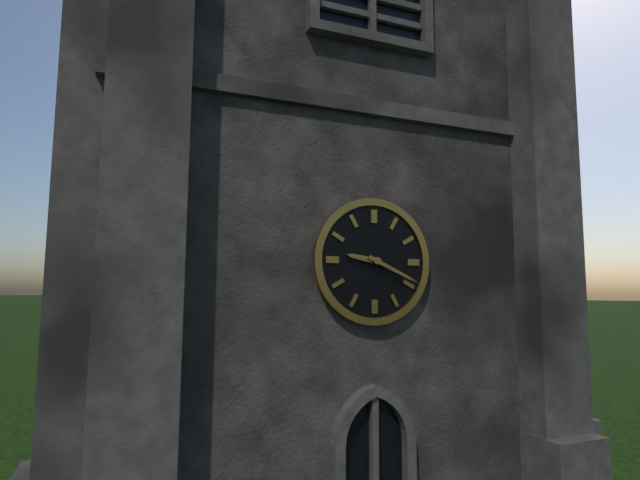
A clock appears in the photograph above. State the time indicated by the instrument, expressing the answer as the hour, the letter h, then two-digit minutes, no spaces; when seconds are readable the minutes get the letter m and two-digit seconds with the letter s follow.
9h19
